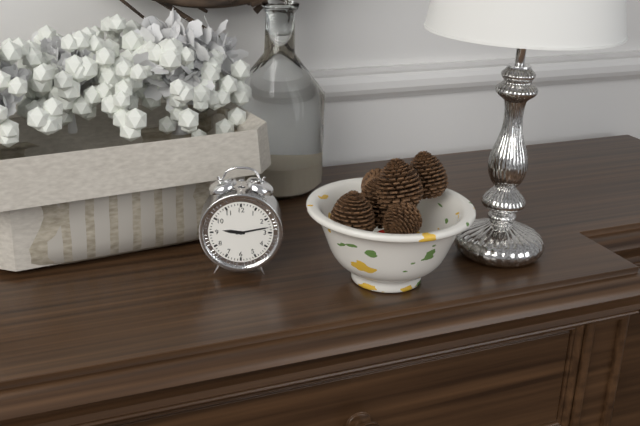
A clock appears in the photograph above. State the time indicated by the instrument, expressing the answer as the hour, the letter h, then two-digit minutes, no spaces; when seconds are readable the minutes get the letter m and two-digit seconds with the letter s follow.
9h13
